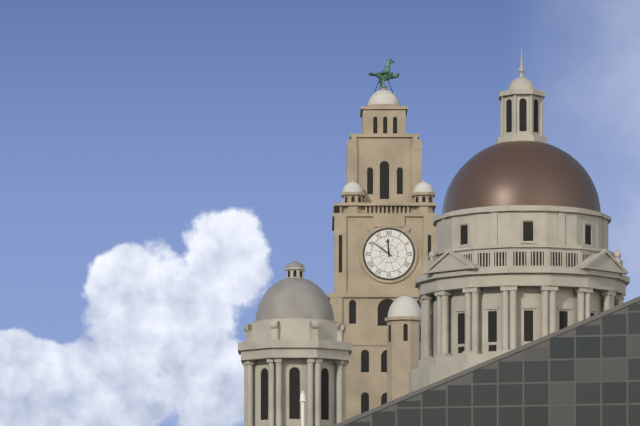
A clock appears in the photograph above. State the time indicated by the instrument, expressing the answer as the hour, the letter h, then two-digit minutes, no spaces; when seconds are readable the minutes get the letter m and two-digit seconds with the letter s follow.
11h51
